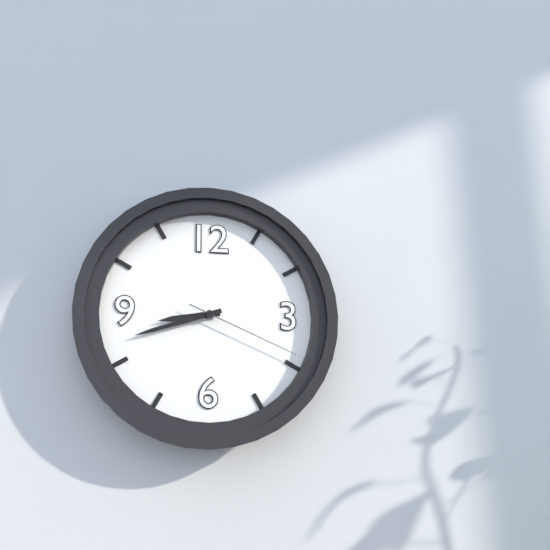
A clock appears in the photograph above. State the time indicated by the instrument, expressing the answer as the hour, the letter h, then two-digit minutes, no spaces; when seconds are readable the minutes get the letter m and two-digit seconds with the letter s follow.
8h42m19s
